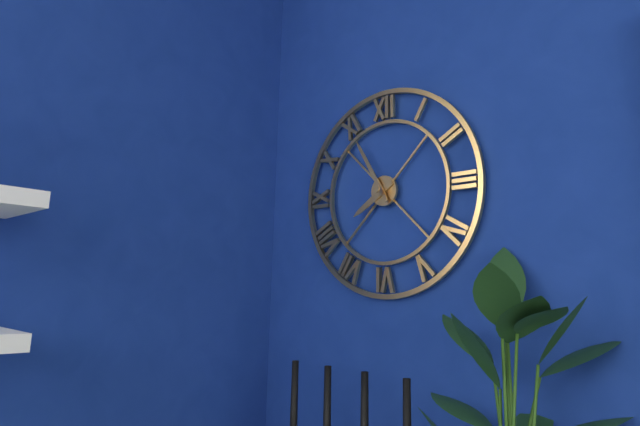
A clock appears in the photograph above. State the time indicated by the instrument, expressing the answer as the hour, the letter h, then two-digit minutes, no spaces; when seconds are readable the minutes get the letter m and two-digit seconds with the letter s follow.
7h55
